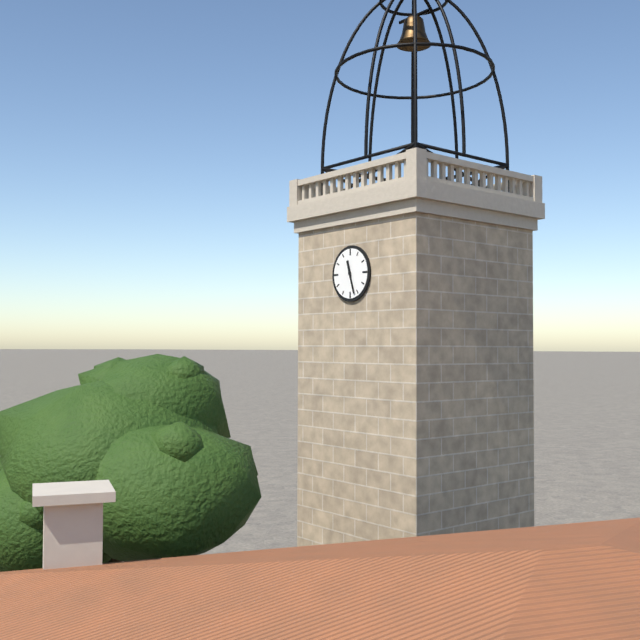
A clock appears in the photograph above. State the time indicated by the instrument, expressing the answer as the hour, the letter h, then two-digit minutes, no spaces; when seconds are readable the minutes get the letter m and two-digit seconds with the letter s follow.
11h27
